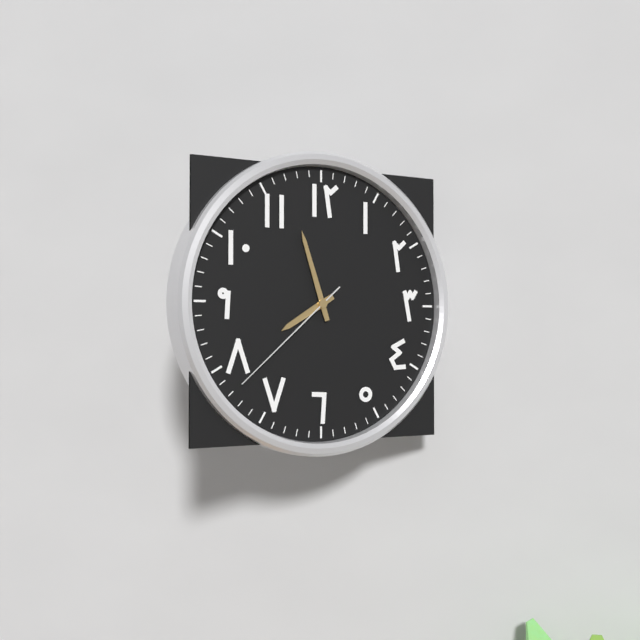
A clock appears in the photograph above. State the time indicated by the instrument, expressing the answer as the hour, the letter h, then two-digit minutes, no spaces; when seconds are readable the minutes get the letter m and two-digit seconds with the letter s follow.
7h57m38s
